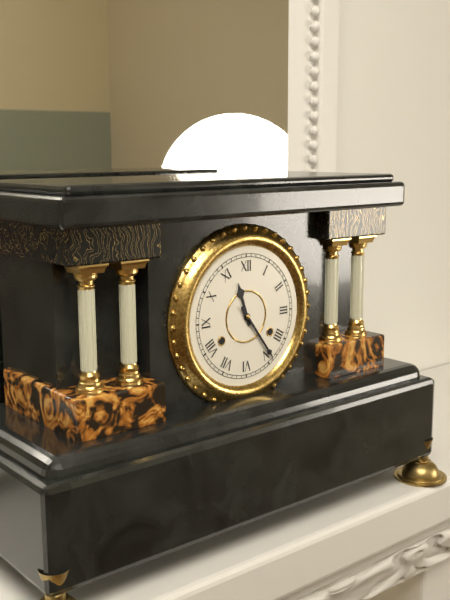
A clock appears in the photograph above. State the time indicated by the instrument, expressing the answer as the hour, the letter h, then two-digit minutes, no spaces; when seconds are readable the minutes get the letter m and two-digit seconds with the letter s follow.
11h24
